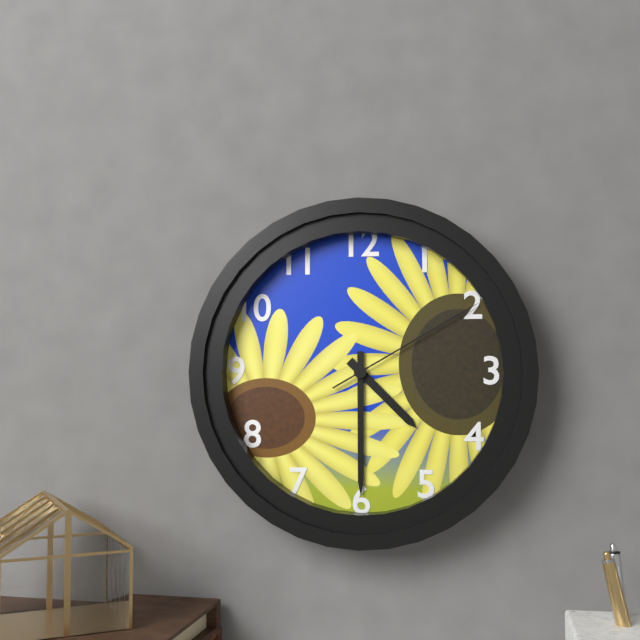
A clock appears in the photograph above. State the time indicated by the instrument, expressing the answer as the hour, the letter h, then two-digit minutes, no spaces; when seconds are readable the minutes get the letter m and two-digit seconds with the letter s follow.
4h30m10s
